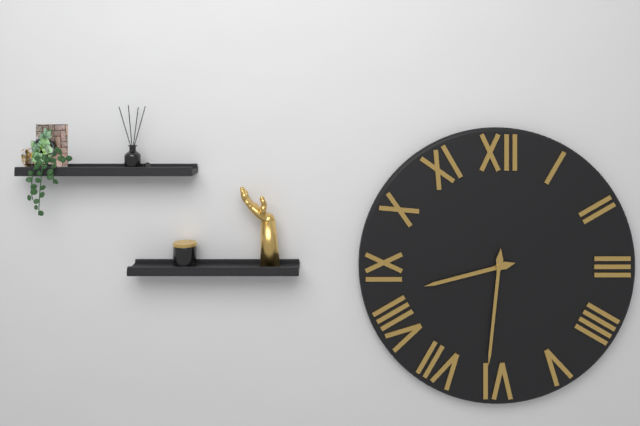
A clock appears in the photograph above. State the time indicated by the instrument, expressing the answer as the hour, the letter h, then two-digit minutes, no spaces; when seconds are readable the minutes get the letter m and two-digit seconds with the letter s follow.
8h31
